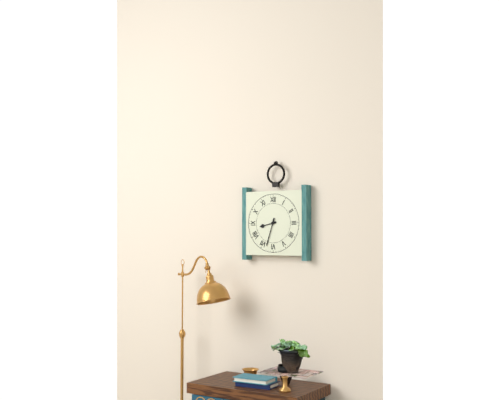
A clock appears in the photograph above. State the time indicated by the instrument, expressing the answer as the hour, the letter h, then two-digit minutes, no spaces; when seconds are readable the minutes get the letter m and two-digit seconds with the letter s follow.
8h33
